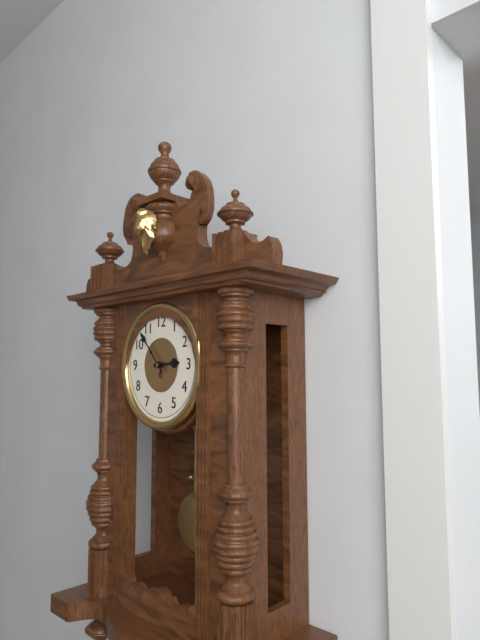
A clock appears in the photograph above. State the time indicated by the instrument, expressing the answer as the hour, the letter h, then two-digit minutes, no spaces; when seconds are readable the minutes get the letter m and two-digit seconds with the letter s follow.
2h53
